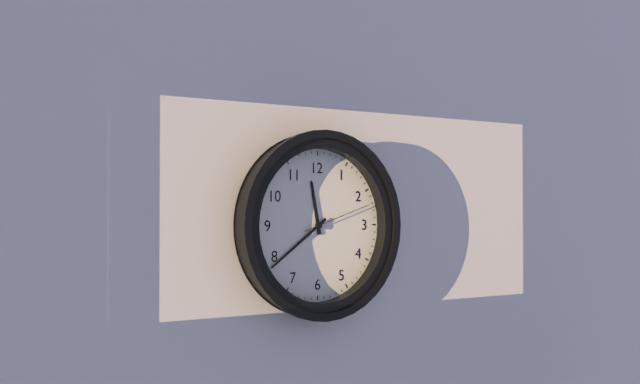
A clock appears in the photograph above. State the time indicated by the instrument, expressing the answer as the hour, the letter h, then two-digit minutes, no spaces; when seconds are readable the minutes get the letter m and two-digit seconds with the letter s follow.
11h39m12s
